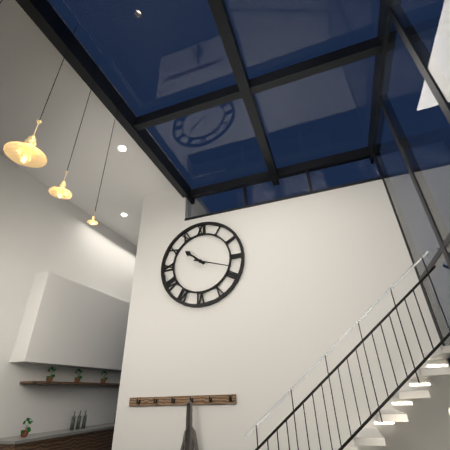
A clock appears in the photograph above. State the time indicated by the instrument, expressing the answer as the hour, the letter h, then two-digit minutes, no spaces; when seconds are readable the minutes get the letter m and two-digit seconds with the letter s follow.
10h18
